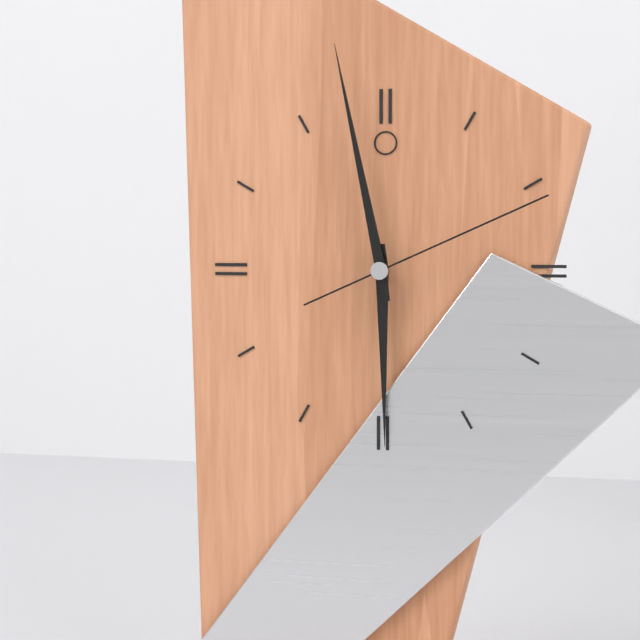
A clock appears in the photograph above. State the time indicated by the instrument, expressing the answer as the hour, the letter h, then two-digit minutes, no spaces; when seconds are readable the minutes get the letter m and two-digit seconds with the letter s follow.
5h58m11s
